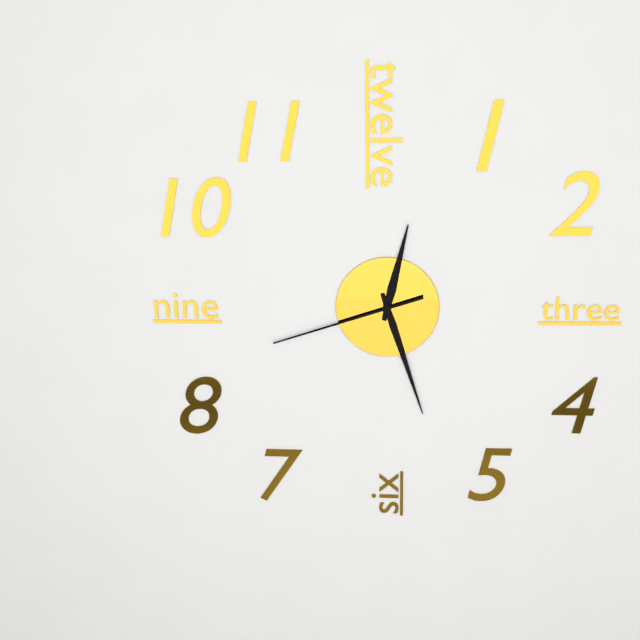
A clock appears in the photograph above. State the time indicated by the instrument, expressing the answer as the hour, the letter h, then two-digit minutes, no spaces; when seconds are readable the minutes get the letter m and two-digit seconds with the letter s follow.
12h27m42s
